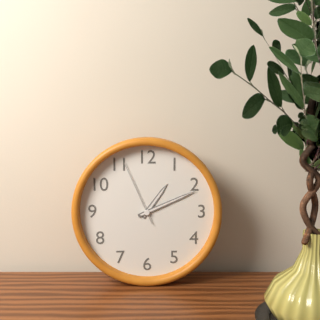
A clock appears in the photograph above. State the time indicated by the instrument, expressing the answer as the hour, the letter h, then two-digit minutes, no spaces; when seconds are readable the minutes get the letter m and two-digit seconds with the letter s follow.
1h11m56s
